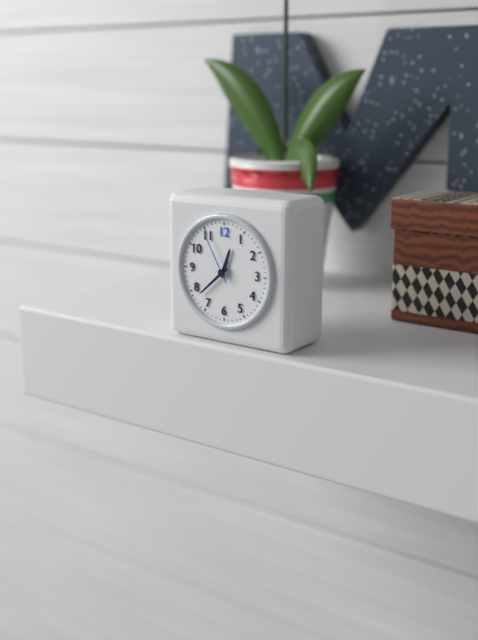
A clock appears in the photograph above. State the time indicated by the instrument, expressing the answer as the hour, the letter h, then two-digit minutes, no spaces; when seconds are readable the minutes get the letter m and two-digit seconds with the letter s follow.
12h38m55s
